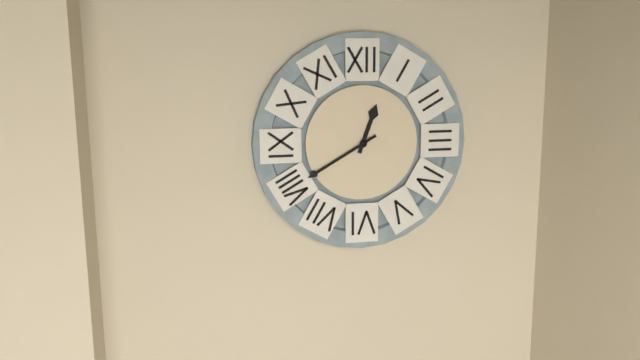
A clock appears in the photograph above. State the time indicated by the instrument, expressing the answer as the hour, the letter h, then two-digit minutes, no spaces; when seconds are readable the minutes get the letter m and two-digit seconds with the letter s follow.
12h40
